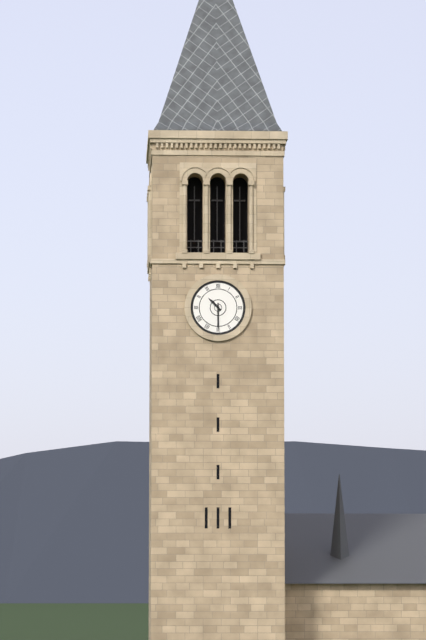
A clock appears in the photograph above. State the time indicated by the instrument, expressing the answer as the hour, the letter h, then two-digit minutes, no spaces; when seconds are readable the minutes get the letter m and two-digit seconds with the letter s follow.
10h30
